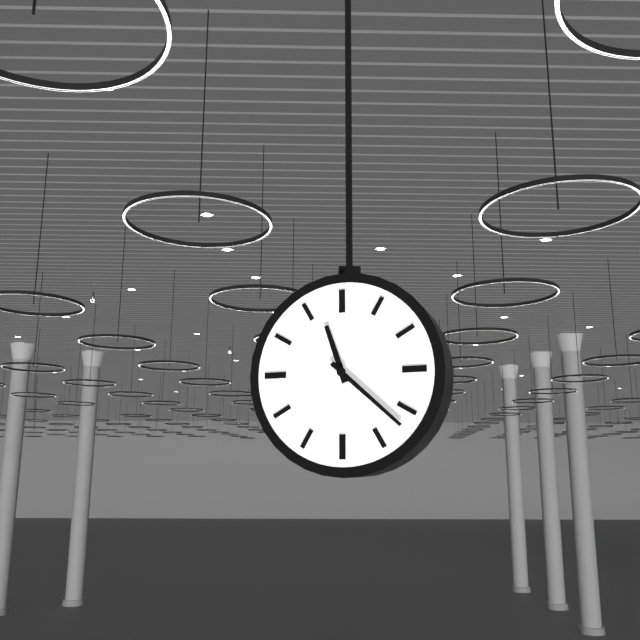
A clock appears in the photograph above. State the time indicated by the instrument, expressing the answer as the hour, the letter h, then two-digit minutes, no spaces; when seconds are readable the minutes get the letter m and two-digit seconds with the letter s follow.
11h22
